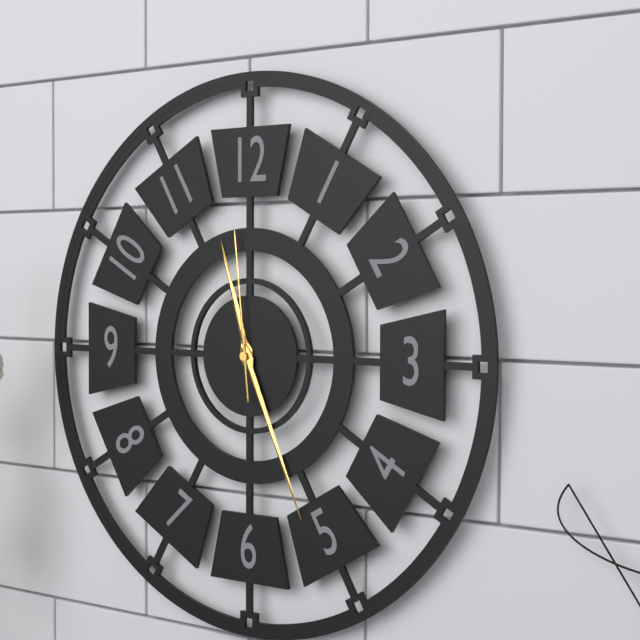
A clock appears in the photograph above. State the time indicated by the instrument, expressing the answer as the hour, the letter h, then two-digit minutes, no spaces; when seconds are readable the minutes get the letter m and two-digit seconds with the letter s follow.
11h26m59s
